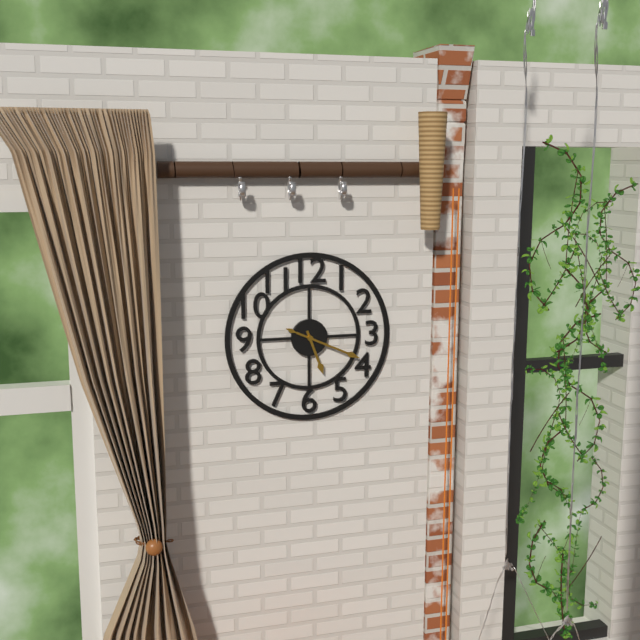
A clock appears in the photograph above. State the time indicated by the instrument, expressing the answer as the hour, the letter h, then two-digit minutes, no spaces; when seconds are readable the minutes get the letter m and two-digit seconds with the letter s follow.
5h19
